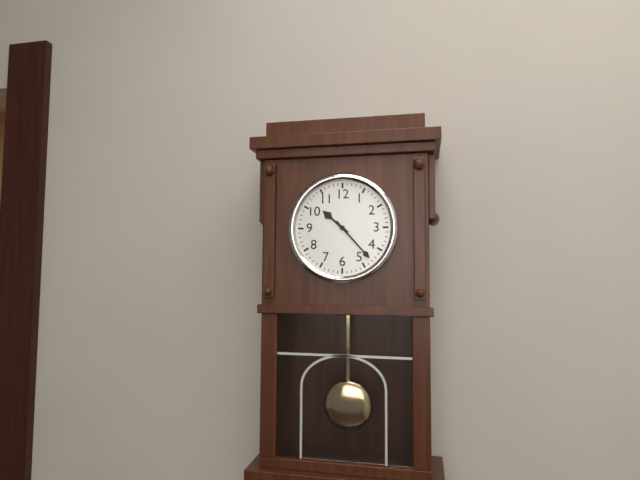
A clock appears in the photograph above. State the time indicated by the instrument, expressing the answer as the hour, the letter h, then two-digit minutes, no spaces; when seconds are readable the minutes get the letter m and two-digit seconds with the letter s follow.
10h23
